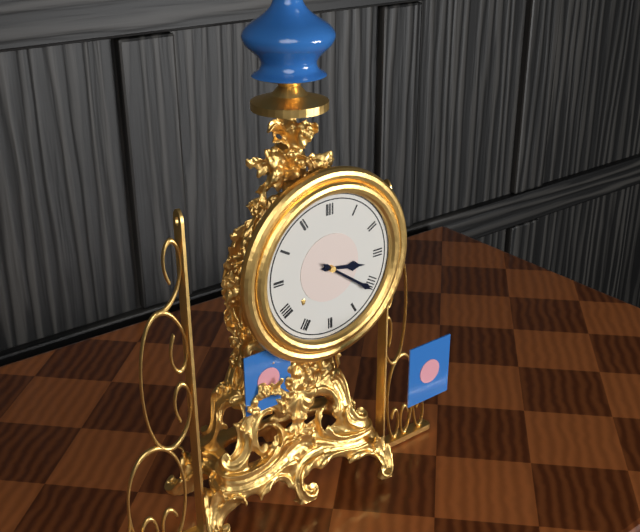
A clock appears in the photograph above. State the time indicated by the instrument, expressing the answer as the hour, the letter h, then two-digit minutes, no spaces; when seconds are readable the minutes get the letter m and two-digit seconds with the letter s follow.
3h21
